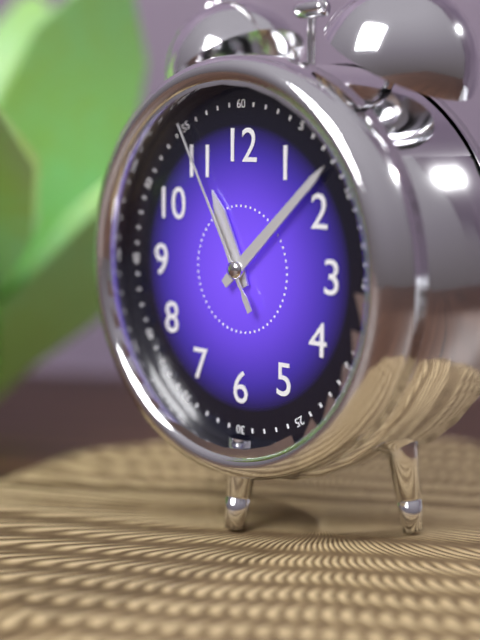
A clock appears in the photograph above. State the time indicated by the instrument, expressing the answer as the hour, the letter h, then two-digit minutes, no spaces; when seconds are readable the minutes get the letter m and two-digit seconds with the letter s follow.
11h08m55s
